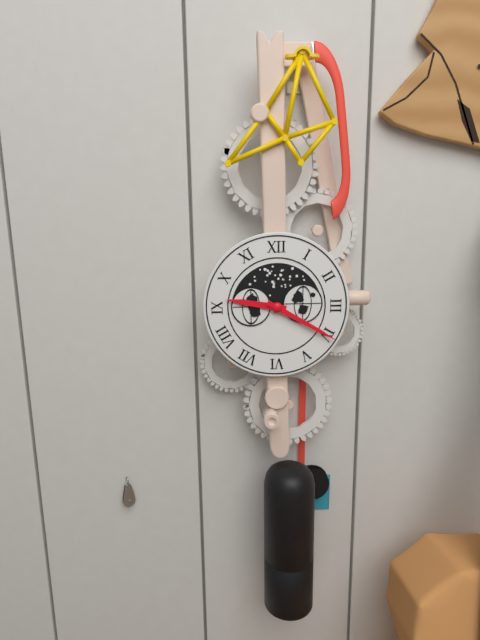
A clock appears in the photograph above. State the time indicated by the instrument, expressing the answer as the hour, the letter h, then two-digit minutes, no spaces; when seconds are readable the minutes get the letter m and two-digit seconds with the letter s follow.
9h20
